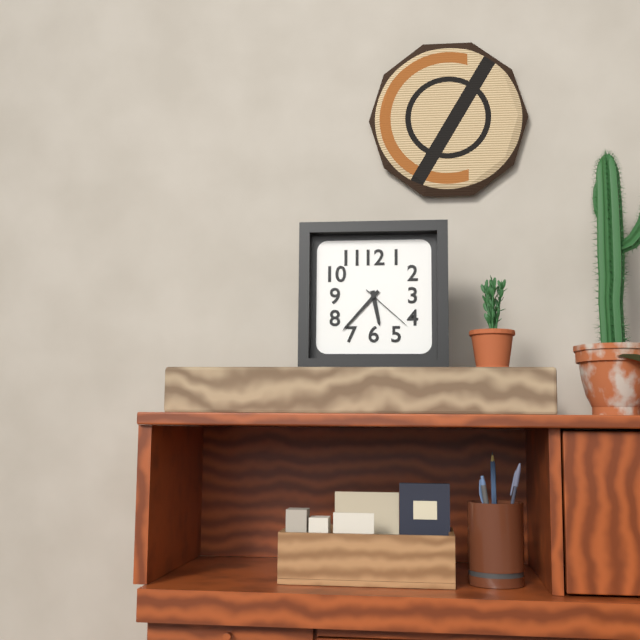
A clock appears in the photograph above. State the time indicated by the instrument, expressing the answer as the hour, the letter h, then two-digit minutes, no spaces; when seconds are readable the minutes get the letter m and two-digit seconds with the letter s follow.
5h37m22s
